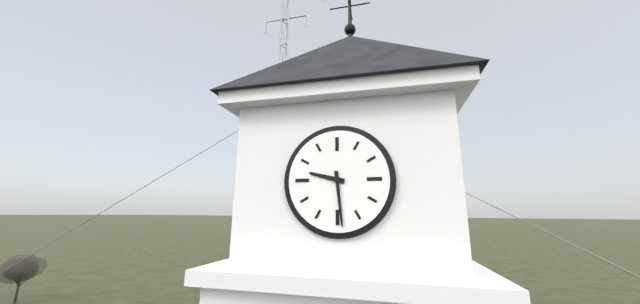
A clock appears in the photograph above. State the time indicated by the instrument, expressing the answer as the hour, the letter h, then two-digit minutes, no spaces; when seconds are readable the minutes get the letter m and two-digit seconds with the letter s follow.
9h29
